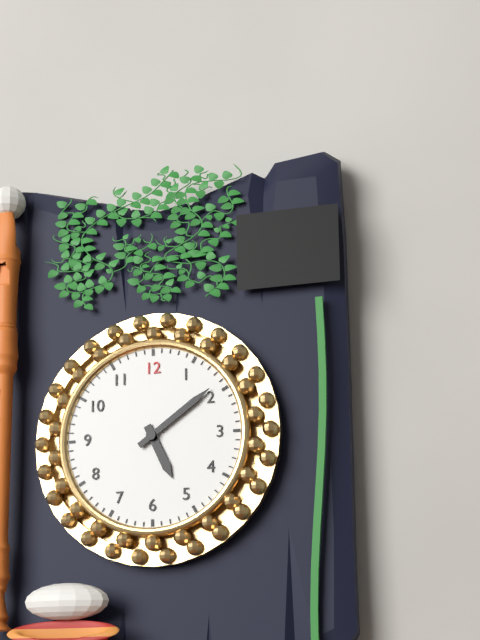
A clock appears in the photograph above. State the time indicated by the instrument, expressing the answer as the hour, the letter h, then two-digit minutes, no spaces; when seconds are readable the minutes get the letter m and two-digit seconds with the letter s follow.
5h09
